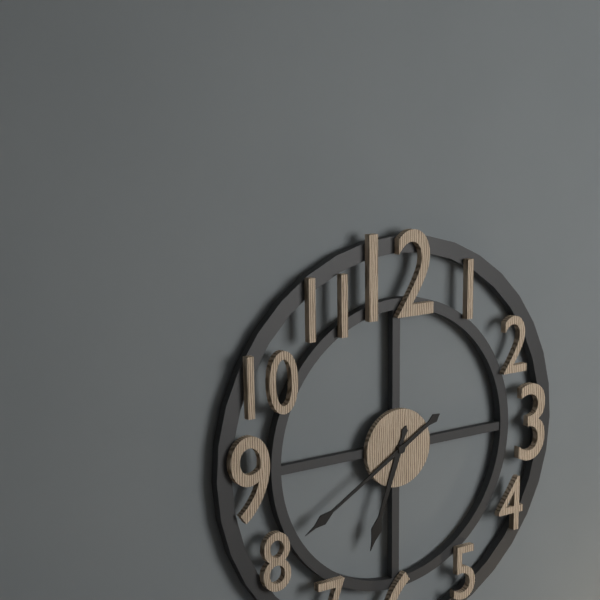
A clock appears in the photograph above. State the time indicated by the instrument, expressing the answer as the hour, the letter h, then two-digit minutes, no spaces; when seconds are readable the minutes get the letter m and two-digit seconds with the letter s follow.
6h40
